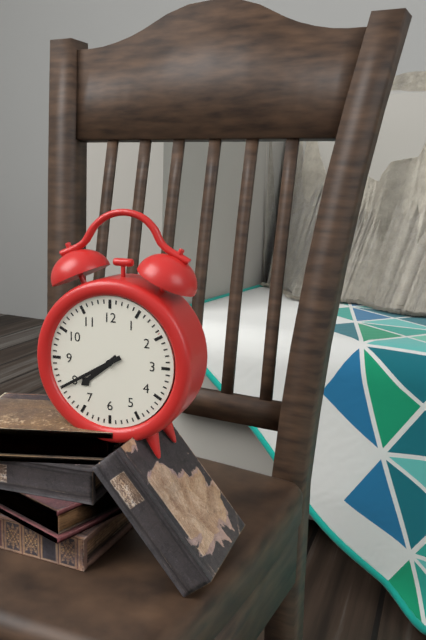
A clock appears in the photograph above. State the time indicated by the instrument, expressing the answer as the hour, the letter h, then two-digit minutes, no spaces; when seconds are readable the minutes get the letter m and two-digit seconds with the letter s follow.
7h40
